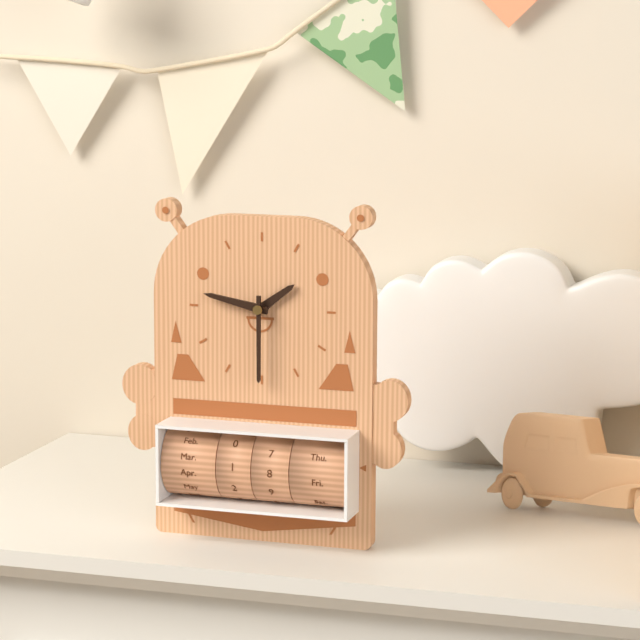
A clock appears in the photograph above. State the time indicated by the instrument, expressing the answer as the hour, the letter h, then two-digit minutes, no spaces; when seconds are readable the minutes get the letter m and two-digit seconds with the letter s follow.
1h47m30s
